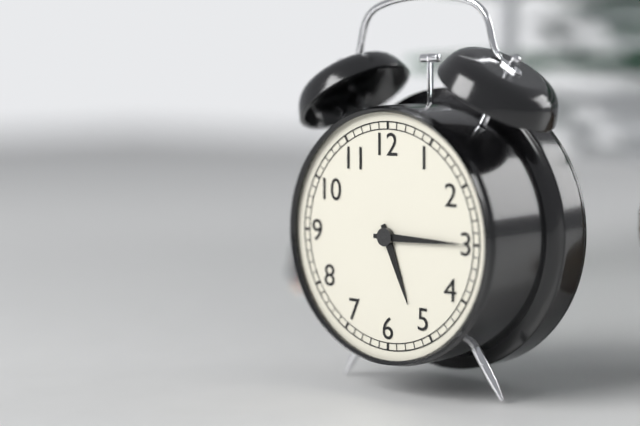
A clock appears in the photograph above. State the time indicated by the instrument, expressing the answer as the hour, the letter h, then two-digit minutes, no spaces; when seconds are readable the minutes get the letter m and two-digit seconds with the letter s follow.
5h15
